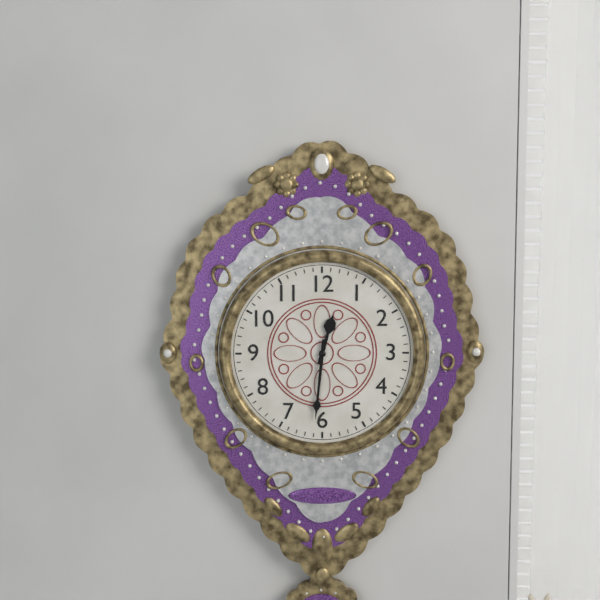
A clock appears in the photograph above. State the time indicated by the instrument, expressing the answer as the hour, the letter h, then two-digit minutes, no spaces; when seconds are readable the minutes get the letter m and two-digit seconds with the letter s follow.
12h31
